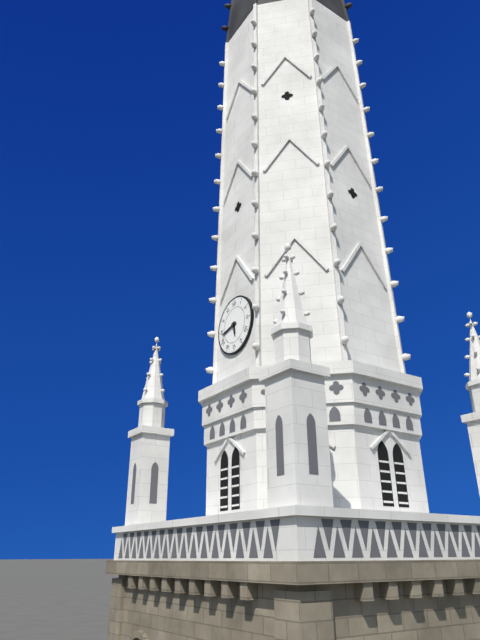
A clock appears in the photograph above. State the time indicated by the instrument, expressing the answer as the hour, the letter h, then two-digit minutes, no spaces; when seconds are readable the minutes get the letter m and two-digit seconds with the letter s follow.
5h43
